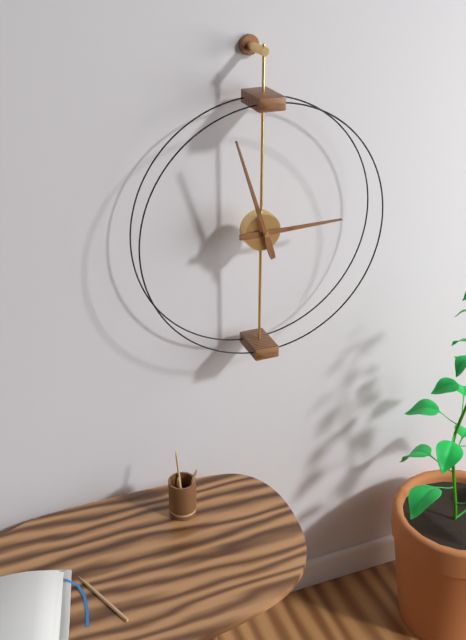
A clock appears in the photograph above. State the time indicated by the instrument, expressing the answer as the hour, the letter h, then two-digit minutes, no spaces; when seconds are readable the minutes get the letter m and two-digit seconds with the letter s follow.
2h57
